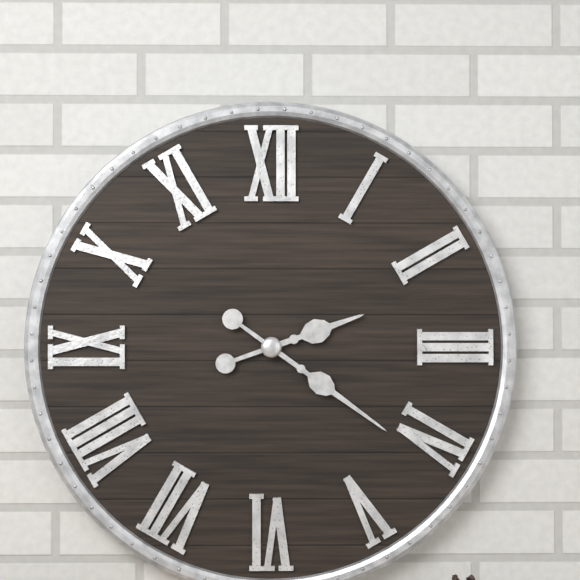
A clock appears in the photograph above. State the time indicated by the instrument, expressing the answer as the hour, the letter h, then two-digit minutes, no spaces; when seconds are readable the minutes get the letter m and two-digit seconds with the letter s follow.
2h21
